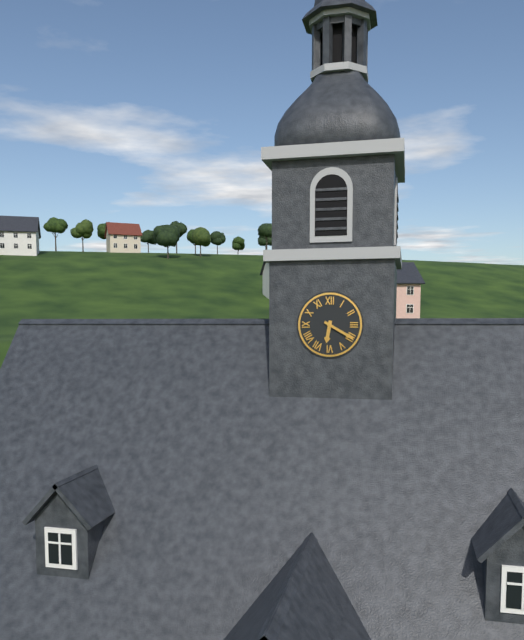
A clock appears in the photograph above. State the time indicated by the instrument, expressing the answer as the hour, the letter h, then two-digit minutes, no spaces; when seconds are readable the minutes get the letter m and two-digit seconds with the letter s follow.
6h20
